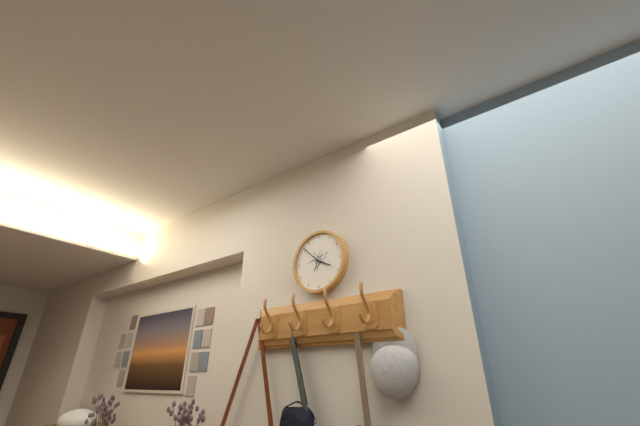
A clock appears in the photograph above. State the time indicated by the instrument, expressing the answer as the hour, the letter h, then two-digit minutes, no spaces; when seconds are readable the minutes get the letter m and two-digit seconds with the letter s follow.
3h52
